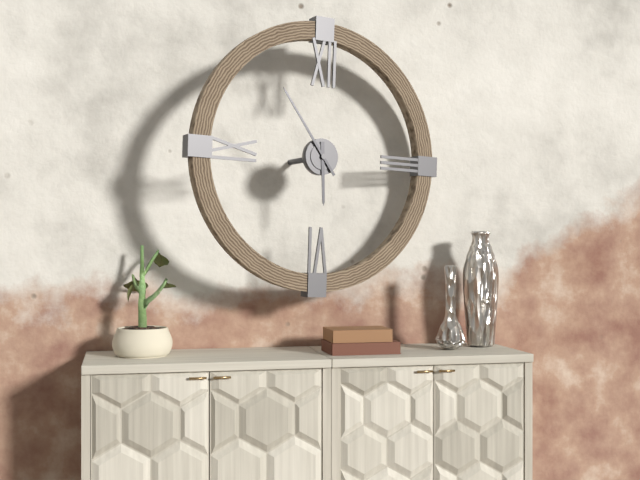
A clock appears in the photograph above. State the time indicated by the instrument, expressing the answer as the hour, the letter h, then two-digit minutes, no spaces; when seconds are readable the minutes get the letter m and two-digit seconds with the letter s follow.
5h54
